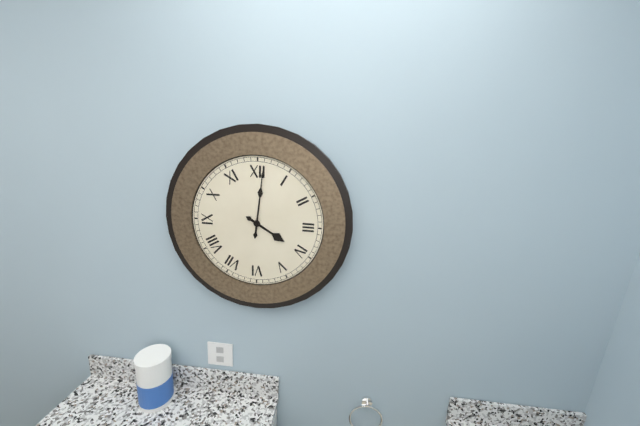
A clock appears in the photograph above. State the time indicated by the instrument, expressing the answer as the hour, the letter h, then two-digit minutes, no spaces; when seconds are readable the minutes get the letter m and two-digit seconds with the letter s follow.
4h01
